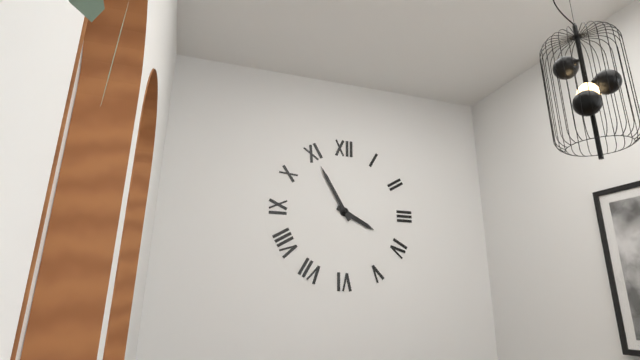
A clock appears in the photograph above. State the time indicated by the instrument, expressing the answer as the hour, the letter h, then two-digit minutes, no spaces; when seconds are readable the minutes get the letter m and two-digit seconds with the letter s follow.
3h55
